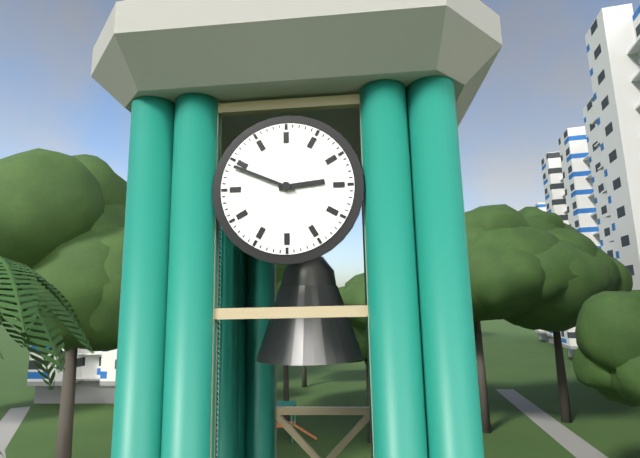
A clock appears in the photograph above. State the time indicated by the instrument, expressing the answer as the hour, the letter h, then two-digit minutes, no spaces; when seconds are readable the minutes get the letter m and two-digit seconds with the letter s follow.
2h49
